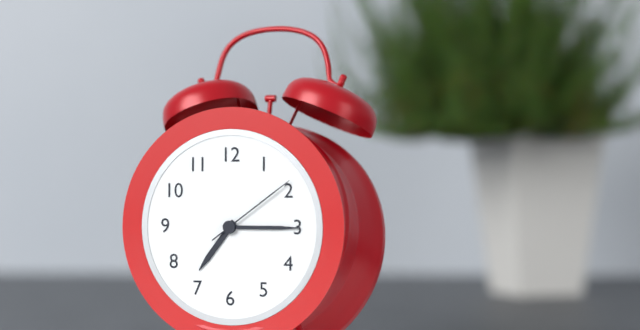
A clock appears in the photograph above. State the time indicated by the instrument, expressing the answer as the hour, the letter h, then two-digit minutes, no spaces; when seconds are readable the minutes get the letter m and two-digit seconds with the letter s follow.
7h15m09s
